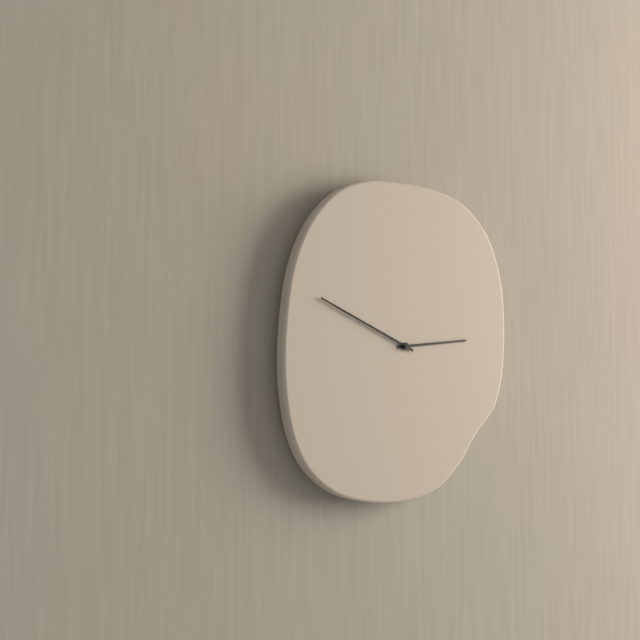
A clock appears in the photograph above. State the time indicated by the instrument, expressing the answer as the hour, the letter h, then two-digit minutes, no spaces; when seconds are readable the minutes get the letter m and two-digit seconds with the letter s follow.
2h49
